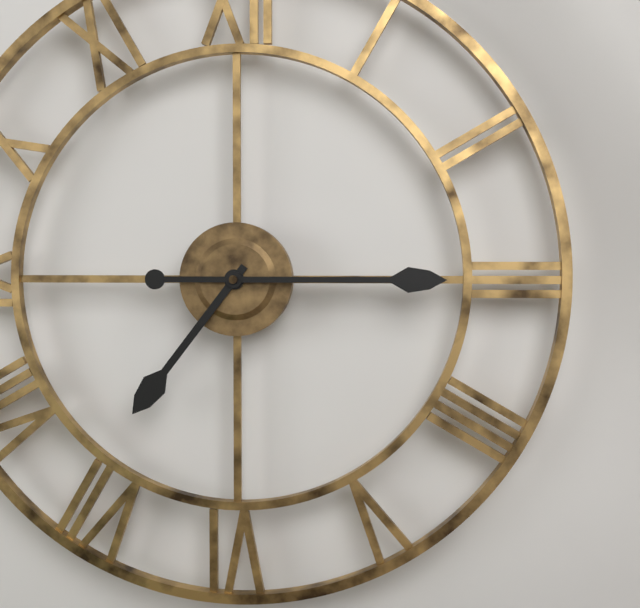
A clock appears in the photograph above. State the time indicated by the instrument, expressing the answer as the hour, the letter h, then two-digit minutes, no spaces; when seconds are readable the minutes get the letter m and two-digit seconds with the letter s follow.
7h15
